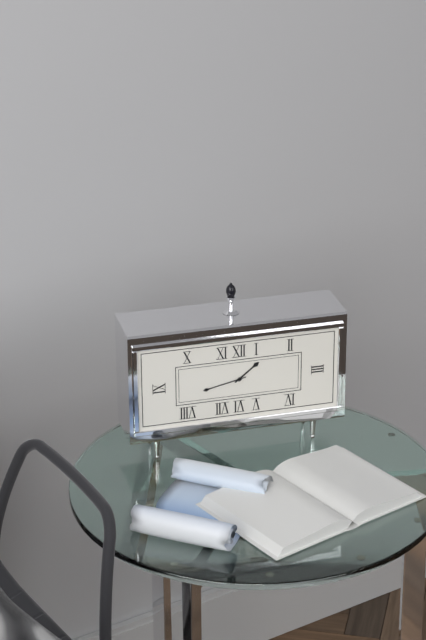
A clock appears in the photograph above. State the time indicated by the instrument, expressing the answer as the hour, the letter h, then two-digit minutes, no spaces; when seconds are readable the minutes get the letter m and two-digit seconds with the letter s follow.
1h43
